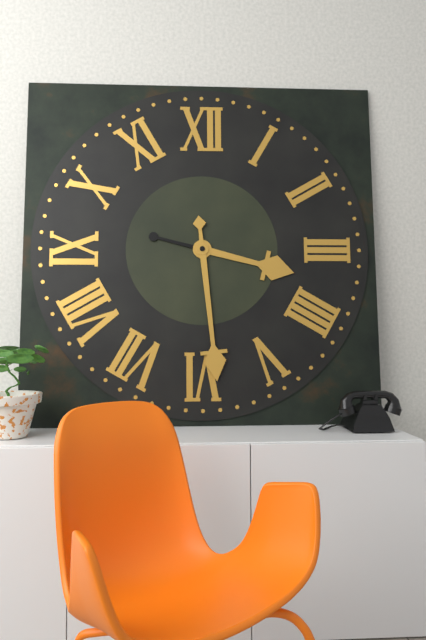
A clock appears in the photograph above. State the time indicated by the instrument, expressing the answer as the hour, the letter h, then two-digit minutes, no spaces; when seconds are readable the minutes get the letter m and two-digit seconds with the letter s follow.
3h29
